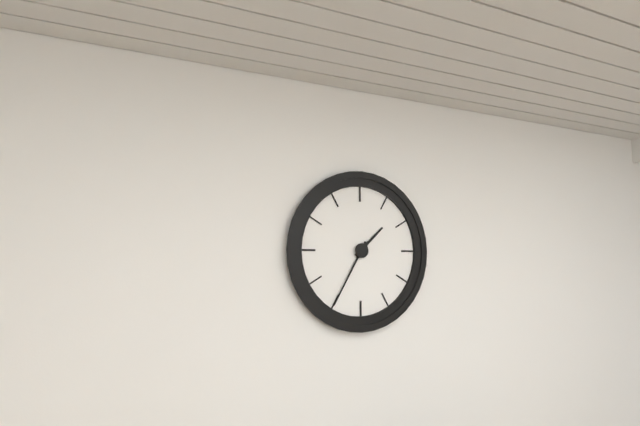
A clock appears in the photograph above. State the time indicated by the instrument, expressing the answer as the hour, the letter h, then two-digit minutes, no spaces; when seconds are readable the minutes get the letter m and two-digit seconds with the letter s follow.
1h35
